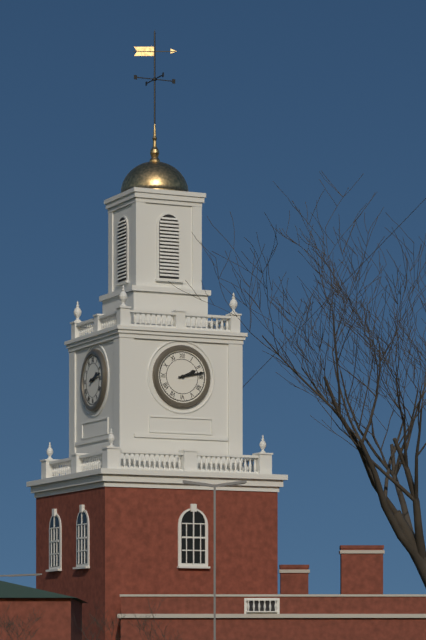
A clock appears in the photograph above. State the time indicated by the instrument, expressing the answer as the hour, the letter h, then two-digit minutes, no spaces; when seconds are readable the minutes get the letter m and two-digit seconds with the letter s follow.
2h13
